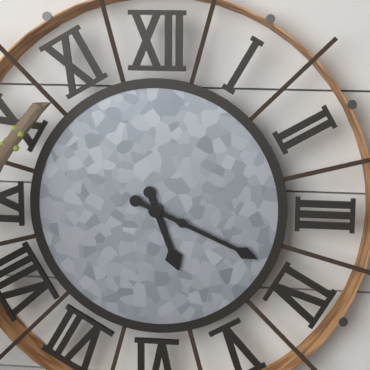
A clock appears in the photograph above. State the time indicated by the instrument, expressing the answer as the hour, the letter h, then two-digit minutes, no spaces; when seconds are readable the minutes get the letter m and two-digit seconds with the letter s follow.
5h19
